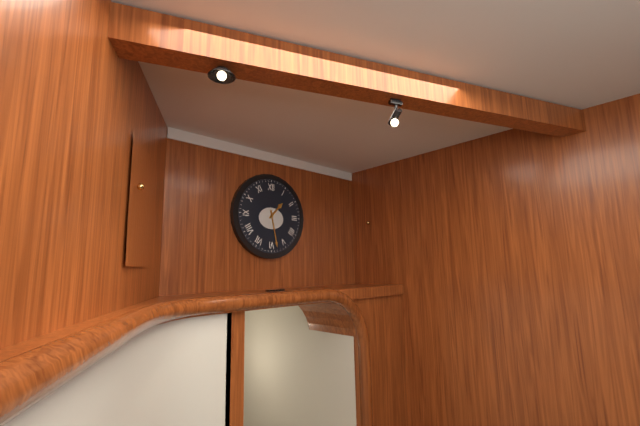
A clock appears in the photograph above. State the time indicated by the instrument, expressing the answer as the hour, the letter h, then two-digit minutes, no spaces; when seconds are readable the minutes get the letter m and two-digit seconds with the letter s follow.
1h28
